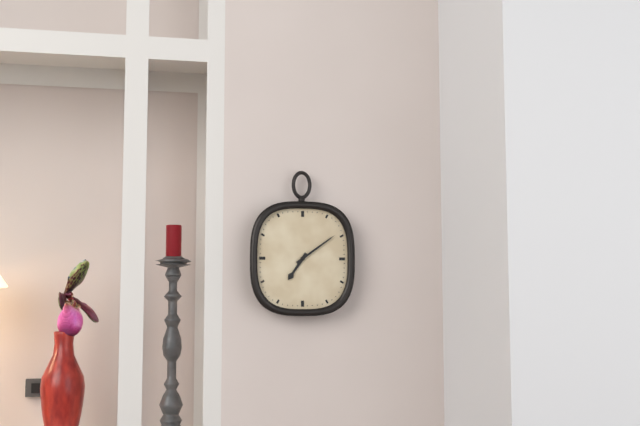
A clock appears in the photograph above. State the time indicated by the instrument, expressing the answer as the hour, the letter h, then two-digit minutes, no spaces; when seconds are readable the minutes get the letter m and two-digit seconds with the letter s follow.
7h09
